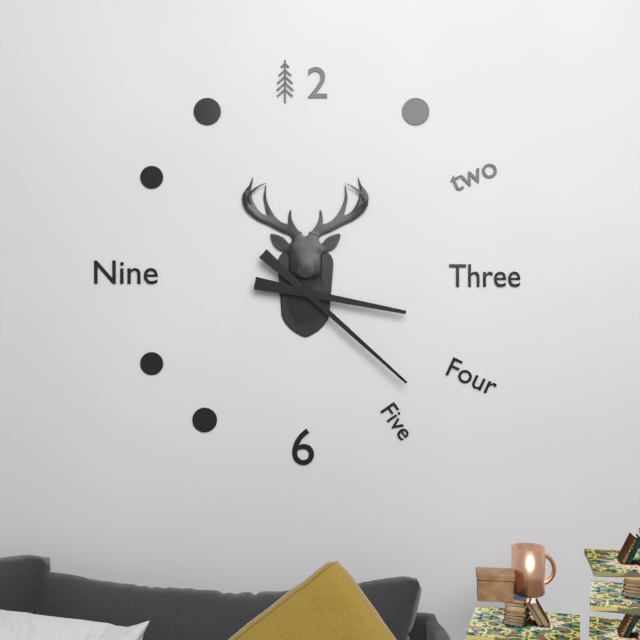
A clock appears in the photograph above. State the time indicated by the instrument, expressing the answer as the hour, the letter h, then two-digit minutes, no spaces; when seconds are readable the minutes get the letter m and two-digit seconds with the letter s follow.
3h22
